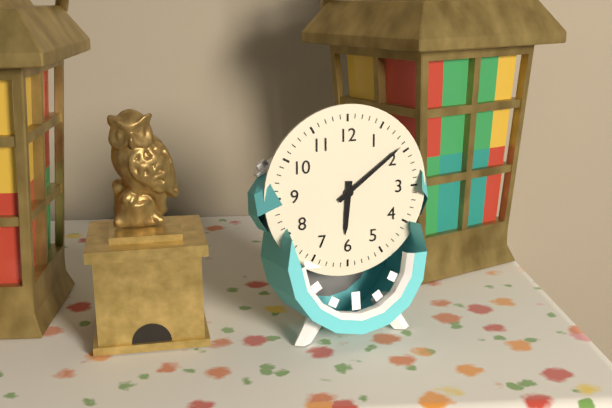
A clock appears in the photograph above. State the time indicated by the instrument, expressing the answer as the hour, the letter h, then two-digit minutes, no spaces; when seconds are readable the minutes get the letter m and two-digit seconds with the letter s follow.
6h09
